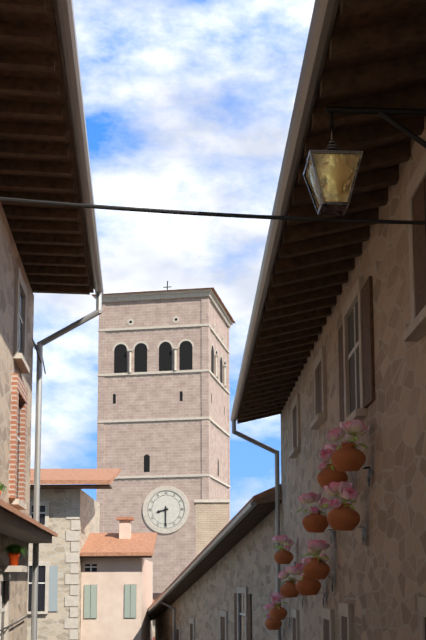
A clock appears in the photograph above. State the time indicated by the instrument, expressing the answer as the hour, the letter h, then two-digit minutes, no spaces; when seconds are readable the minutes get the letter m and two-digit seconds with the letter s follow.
8h30
